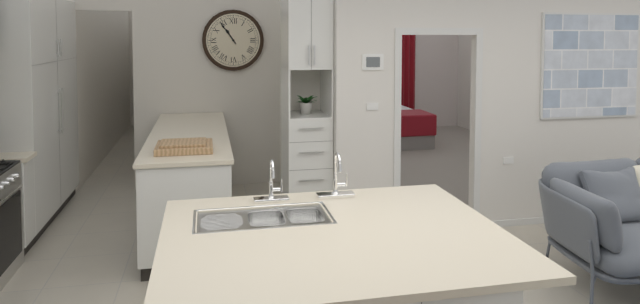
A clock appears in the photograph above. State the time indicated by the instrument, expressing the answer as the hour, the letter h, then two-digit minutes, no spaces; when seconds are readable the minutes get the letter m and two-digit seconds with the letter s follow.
10h54
